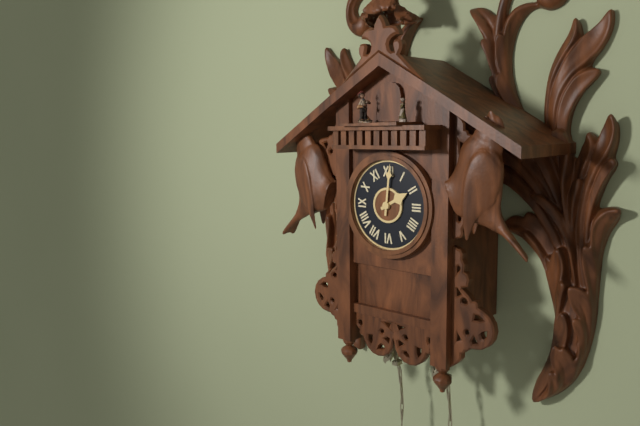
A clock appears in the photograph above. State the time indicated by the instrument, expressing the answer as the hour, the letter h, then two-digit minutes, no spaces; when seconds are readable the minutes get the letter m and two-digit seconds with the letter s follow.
2h01
